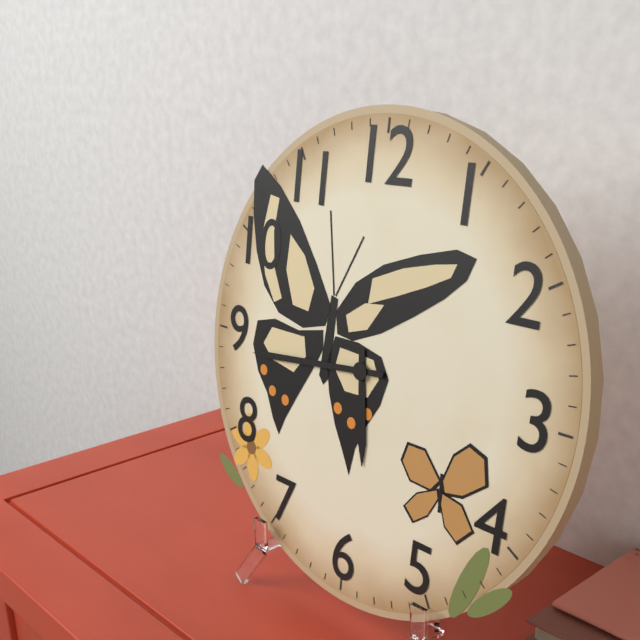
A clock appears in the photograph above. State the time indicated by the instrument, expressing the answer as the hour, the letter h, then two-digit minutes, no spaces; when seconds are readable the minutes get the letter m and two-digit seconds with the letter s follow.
5h44
